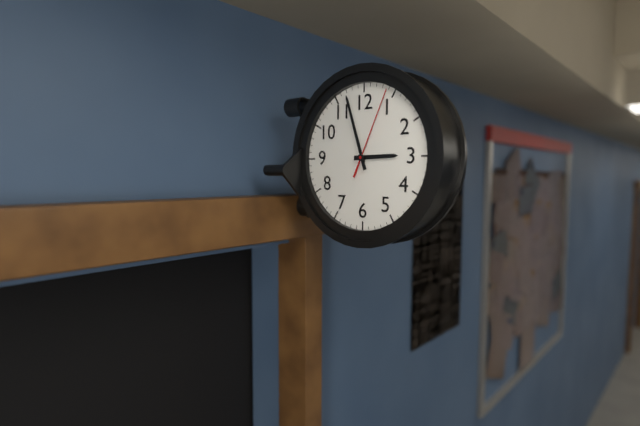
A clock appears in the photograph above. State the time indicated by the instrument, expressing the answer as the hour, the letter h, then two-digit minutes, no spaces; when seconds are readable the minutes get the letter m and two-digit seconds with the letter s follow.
2h57m04s
